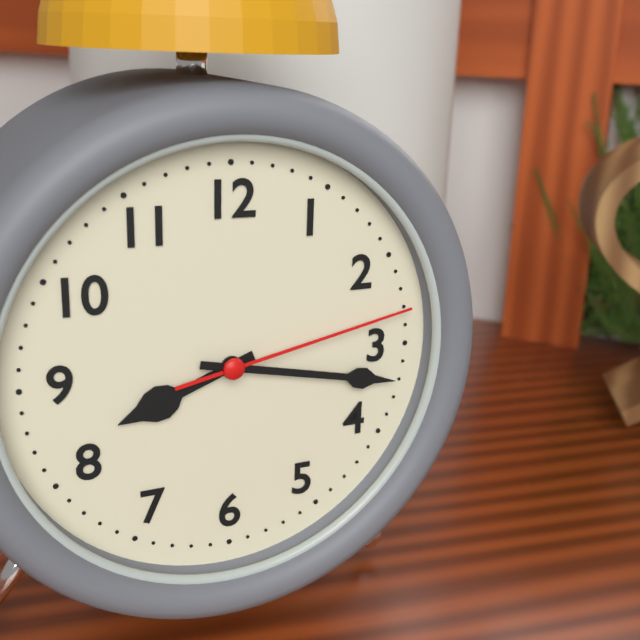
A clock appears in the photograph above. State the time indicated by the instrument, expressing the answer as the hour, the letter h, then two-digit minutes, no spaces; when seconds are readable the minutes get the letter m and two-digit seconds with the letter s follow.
8h17m13s
